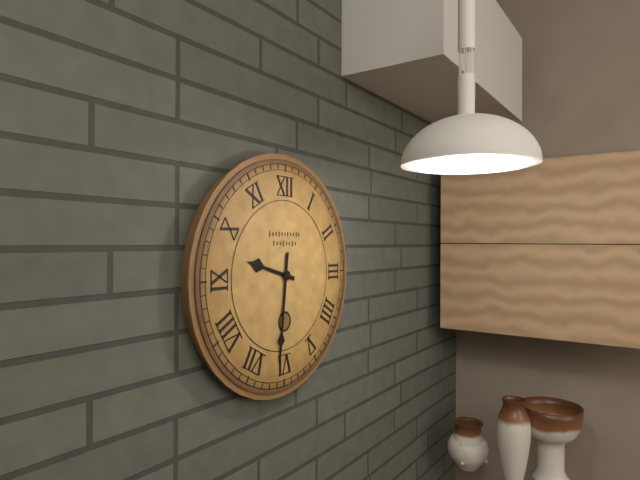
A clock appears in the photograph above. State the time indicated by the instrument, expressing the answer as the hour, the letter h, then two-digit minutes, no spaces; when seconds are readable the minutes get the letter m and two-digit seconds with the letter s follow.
9h31
